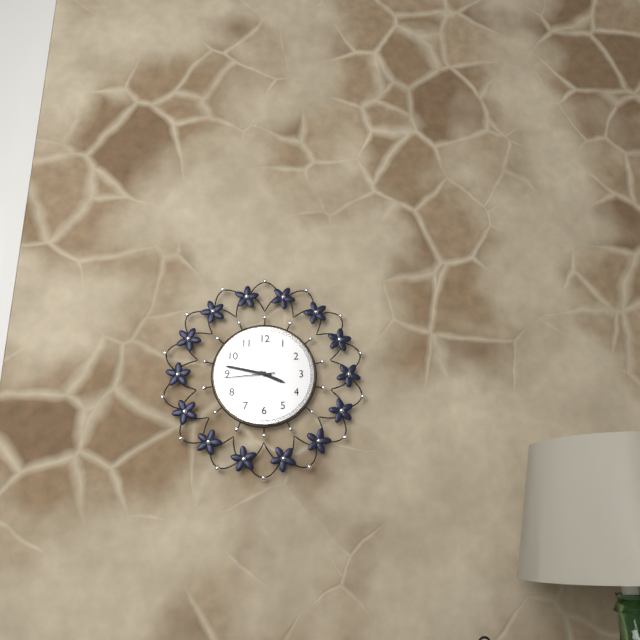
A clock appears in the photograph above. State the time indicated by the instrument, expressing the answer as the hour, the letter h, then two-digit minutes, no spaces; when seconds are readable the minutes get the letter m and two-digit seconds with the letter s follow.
3h47m44s
